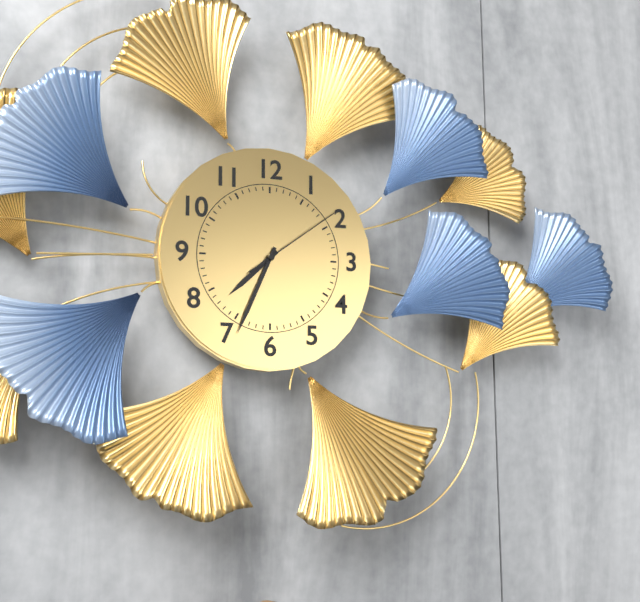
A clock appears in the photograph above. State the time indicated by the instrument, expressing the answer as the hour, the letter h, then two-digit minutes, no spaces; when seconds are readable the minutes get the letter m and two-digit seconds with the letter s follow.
7h34m09s
